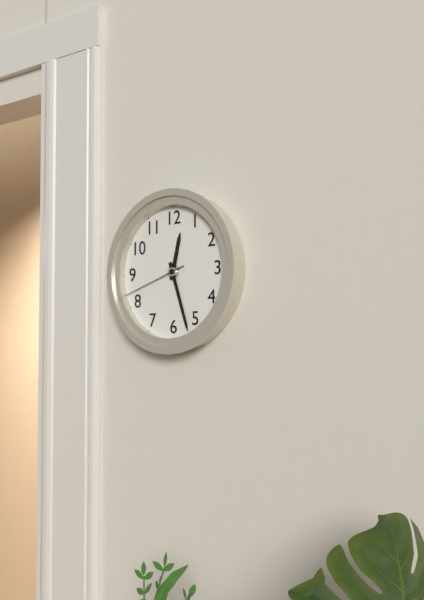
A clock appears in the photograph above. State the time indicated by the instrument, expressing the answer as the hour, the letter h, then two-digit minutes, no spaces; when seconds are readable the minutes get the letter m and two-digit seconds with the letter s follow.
12h27m42s
